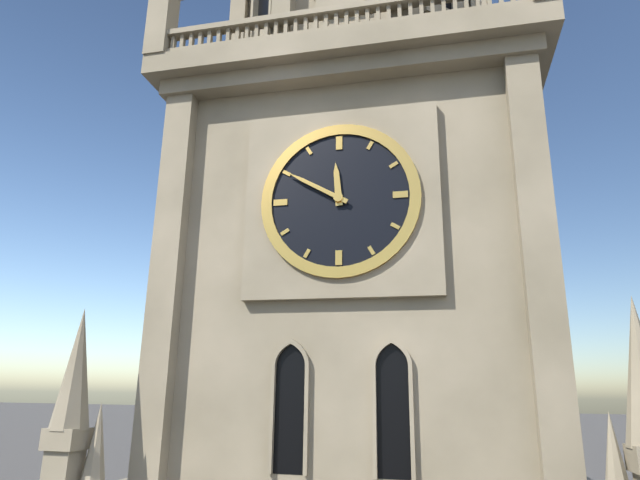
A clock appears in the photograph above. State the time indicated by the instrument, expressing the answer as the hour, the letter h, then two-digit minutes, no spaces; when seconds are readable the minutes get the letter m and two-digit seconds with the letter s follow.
11h50
